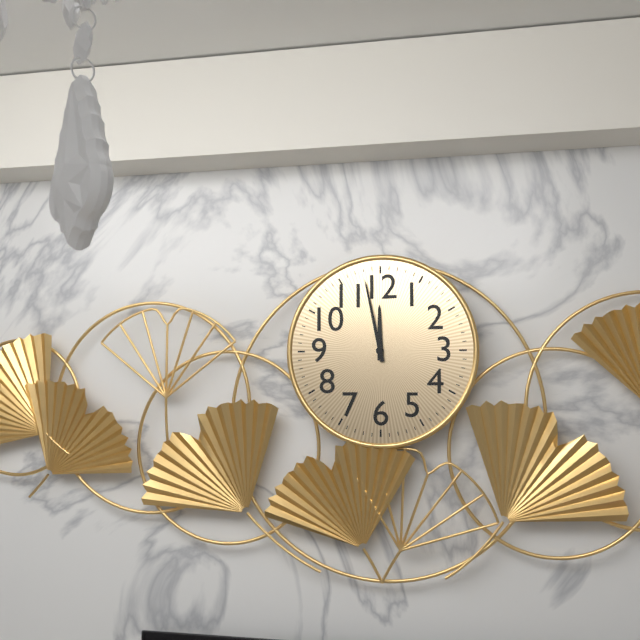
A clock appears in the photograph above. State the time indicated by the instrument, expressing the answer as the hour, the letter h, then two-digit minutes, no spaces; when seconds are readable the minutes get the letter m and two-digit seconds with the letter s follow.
11h58
